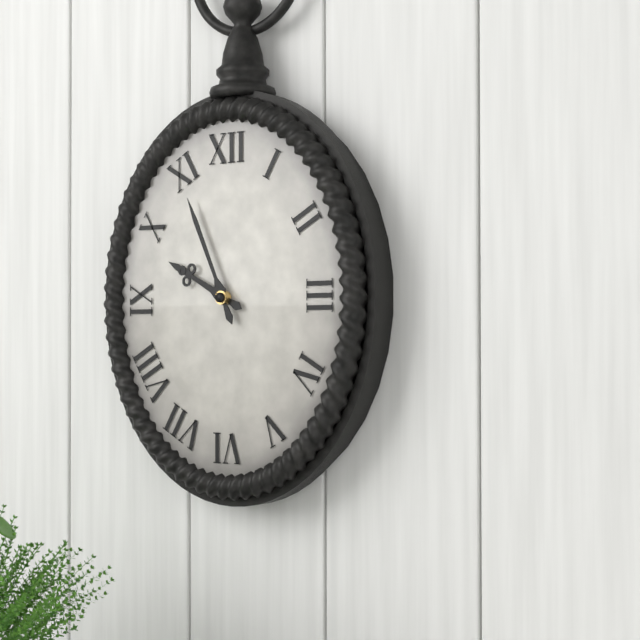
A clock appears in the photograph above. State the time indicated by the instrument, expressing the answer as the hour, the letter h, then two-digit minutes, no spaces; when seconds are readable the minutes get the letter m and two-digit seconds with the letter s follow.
9h56
